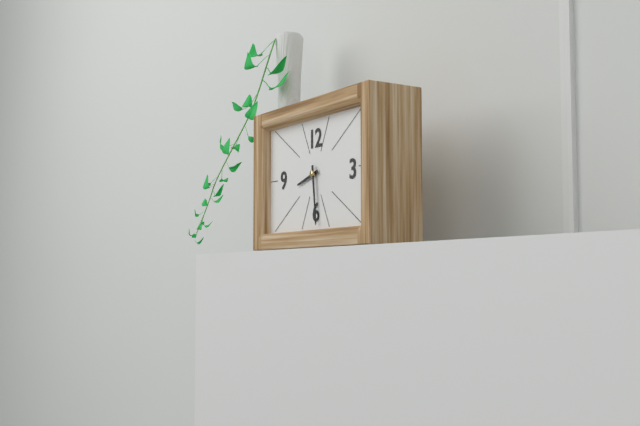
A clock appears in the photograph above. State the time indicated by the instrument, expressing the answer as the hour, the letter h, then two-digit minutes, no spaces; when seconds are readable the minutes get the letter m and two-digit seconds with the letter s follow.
8h29
